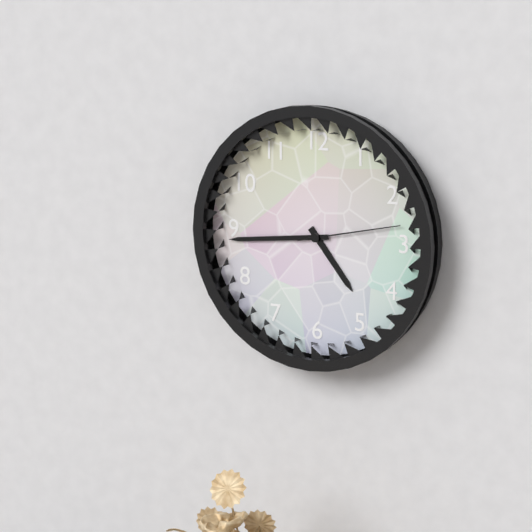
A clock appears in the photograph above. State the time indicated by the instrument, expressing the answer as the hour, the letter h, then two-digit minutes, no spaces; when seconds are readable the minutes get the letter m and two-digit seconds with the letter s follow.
4h44m13s
